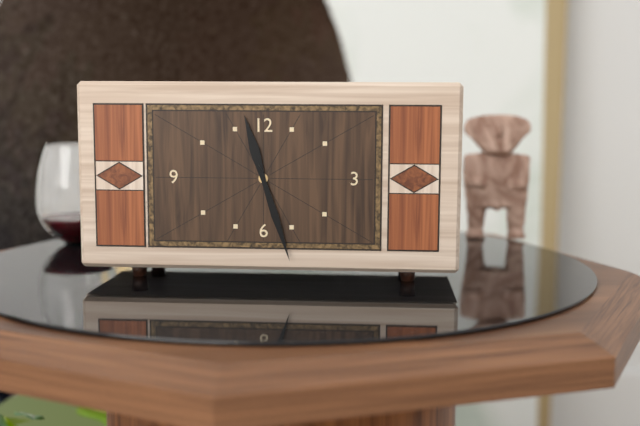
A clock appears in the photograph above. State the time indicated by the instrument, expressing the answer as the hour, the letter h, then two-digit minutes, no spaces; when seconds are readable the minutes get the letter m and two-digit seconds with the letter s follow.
11h27
